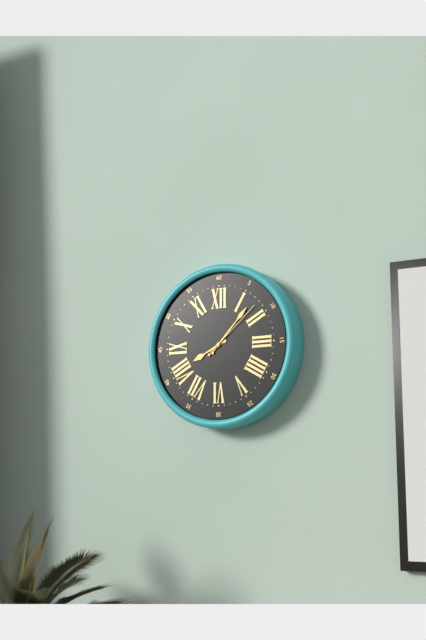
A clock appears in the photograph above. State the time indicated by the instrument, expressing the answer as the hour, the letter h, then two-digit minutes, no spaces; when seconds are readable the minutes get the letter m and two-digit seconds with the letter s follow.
8h07m08s
